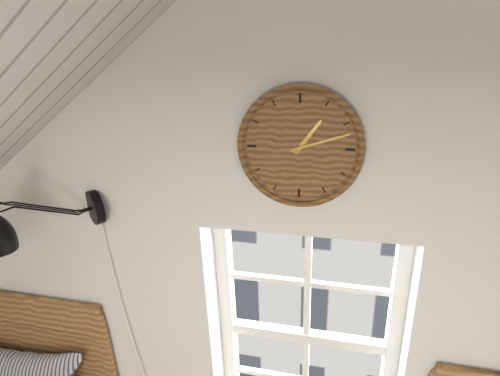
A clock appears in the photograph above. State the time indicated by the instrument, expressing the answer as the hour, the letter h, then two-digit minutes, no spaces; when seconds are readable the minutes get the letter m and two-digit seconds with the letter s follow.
1h12
